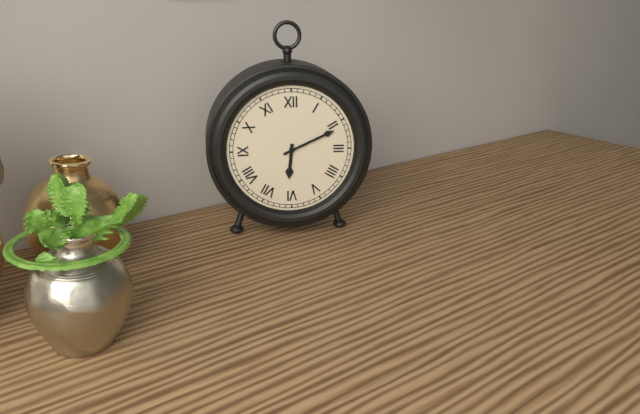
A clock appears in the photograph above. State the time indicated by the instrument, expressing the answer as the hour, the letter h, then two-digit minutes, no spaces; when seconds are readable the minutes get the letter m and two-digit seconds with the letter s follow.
6h11
